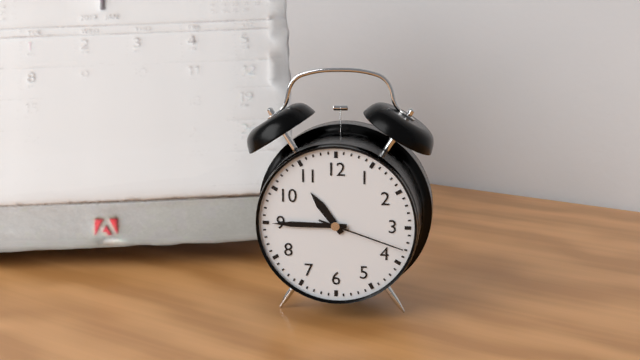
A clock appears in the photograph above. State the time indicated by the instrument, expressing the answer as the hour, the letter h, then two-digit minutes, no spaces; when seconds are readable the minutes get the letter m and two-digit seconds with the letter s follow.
10h45m18s
